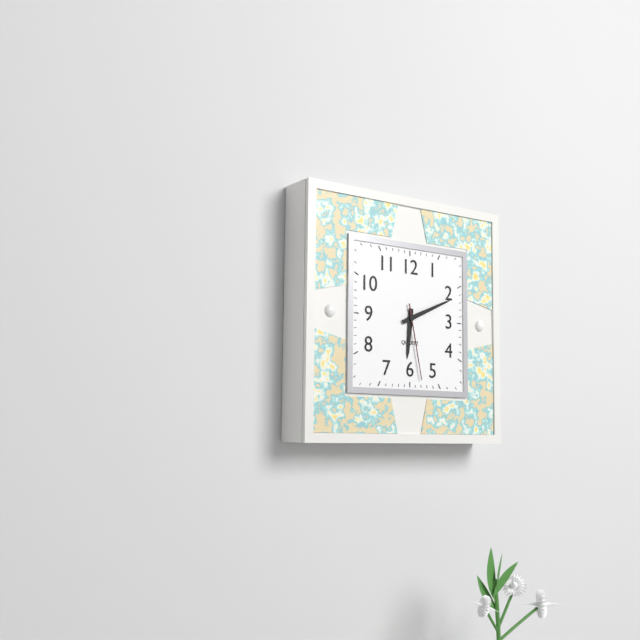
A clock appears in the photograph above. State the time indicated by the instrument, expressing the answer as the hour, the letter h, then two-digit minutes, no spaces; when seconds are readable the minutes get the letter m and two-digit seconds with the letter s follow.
6h11m28s
